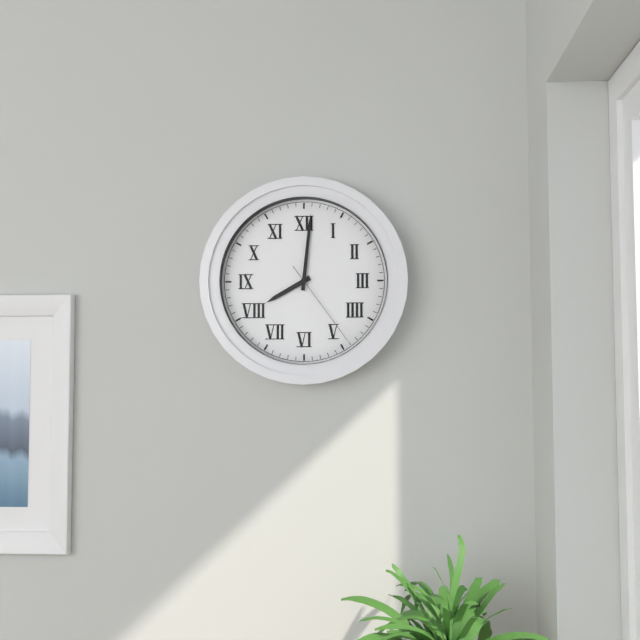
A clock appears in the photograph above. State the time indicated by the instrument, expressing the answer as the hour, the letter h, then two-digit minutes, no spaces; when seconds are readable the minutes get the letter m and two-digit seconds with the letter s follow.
8h01m24s
